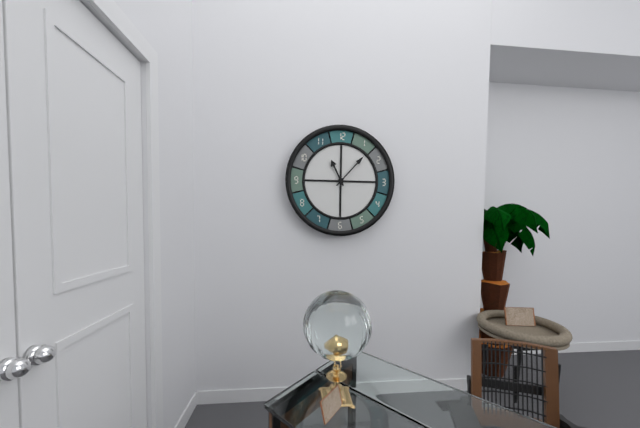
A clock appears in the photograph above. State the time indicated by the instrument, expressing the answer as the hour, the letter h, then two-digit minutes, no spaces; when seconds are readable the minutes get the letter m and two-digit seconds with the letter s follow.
11h07
